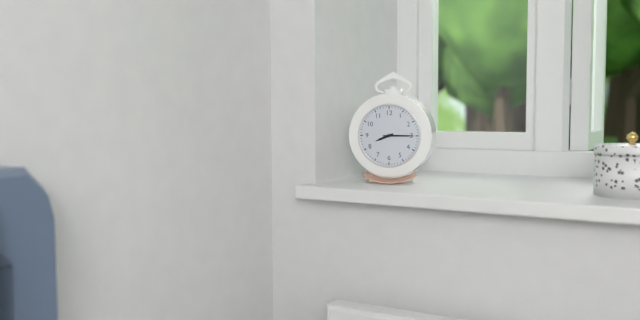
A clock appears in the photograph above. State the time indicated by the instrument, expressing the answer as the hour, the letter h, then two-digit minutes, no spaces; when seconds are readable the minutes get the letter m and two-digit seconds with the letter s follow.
8h15
